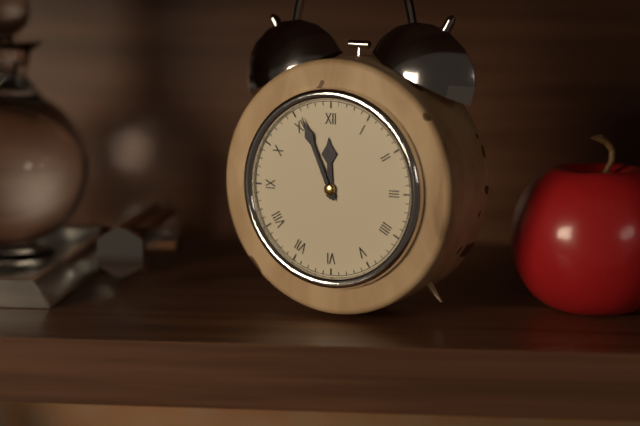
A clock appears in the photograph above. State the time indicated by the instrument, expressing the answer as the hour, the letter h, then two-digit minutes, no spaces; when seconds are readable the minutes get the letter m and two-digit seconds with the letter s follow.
11h56
